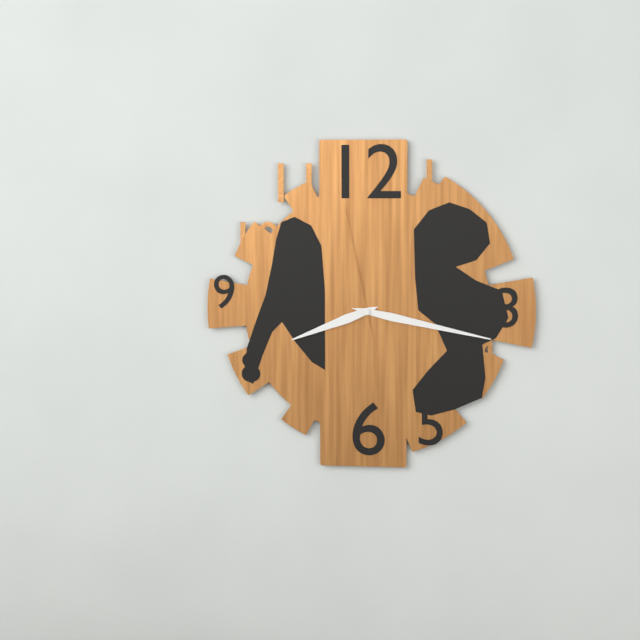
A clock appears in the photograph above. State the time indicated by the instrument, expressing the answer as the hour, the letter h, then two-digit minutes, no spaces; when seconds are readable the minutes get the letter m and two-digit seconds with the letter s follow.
8h17m58s
